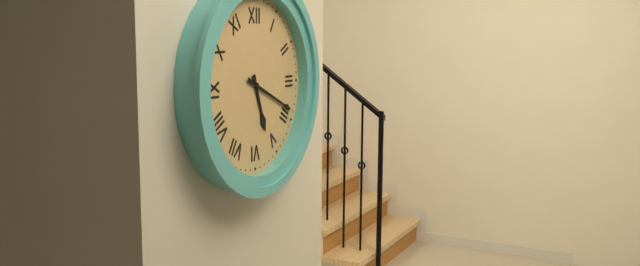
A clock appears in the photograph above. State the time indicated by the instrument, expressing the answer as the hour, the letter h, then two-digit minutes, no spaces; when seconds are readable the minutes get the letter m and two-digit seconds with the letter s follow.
5h19
